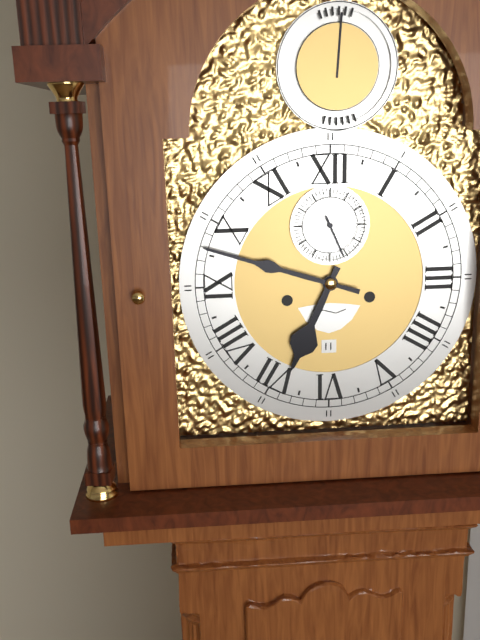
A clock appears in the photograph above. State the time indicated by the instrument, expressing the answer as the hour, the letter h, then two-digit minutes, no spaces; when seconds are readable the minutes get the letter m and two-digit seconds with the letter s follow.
6h48
